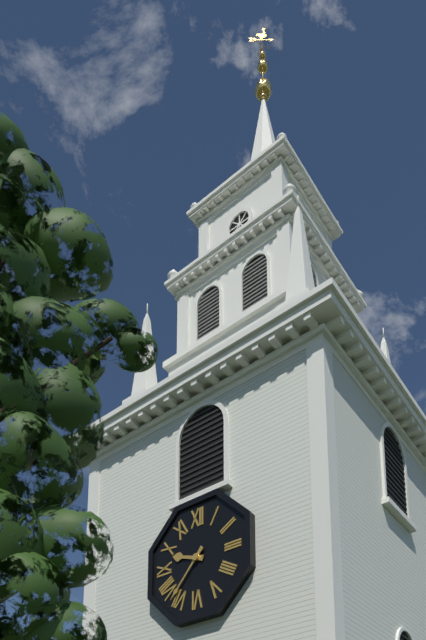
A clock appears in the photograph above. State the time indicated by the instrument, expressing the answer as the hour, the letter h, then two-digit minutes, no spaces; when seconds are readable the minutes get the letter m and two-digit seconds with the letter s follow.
9h37
